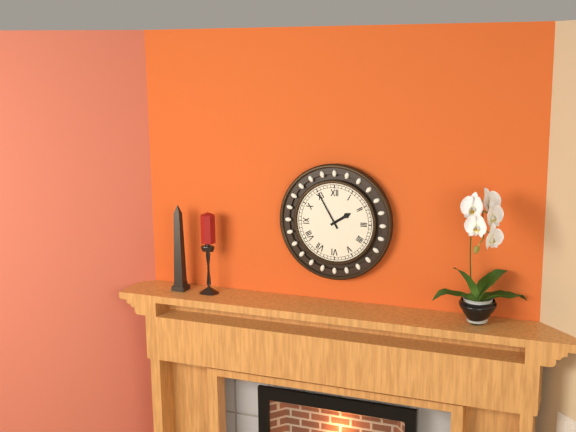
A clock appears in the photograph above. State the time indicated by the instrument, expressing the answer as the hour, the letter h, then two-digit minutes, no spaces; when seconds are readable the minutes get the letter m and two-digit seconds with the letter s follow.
1h55
